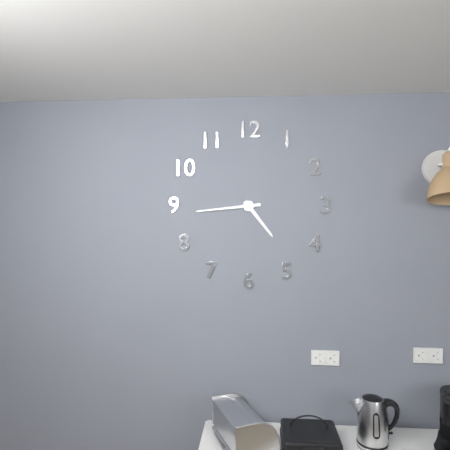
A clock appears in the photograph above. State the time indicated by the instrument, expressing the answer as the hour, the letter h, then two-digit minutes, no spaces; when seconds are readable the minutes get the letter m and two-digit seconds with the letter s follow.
4h44
